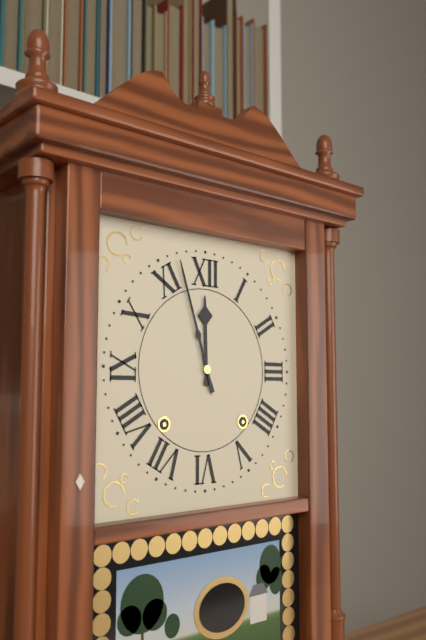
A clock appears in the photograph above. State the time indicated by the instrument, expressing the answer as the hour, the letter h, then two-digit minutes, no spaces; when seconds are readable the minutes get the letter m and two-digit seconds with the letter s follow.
11h57
